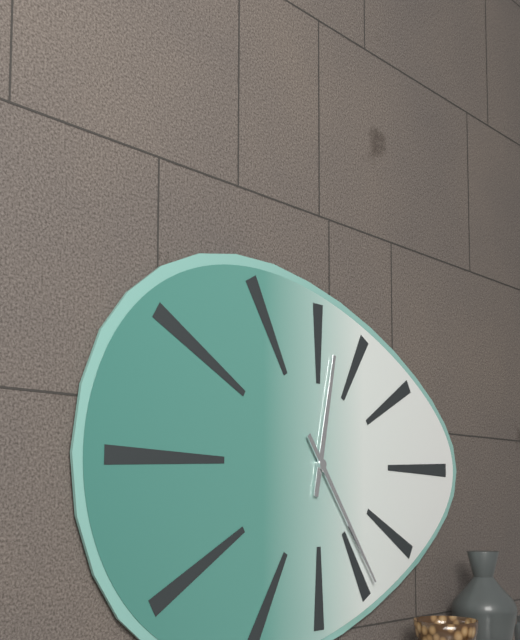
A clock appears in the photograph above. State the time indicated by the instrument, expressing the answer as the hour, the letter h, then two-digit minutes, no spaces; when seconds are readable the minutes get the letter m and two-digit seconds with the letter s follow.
12h24
